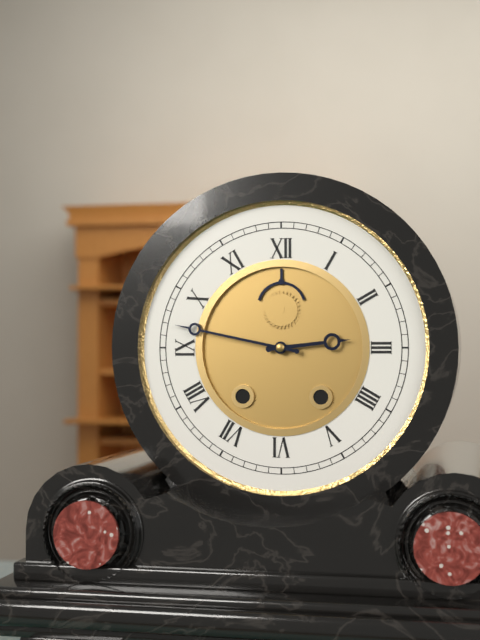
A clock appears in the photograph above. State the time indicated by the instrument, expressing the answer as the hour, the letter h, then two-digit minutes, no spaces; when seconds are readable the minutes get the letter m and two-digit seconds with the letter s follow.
2h47
